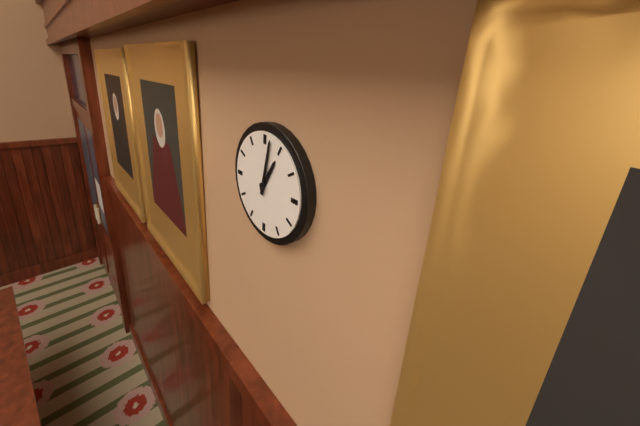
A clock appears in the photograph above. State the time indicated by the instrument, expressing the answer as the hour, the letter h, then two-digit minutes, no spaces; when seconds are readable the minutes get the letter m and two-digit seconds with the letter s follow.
1h02
